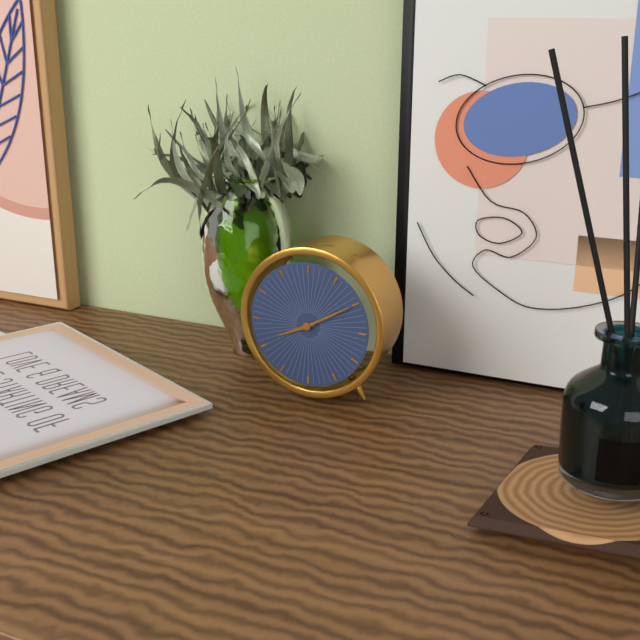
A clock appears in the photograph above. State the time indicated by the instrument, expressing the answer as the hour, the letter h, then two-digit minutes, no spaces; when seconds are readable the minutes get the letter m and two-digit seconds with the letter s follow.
8h10
